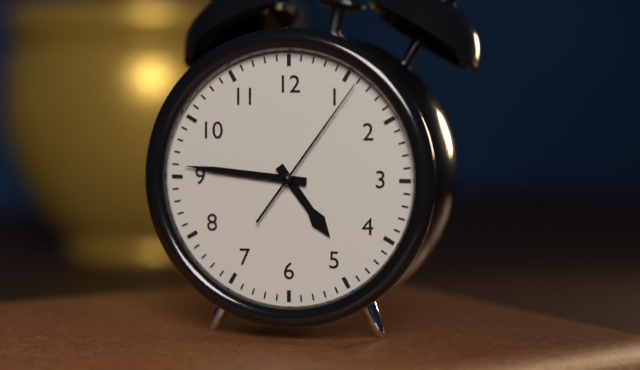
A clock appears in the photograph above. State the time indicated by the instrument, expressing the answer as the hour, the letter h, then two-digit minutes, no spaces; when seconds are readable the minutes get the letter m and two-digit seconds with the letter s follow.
4h46m06s
